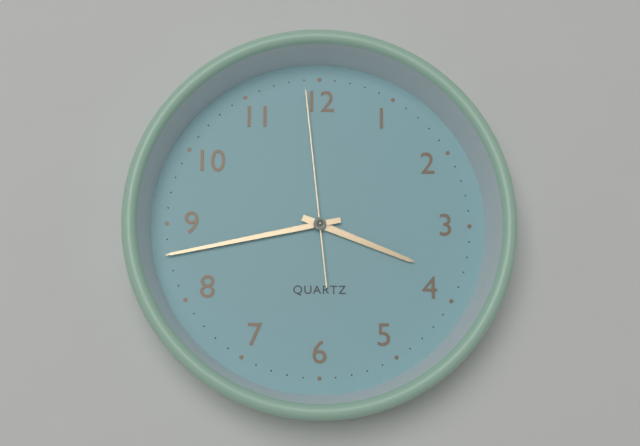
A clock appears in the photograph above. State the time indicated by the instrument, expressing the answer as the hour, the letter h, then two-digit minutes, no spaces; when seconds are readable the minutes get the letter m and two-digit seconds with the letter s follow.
3h43m59s
